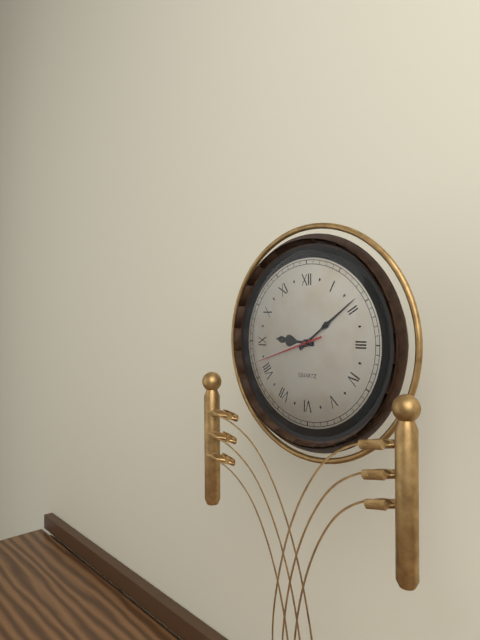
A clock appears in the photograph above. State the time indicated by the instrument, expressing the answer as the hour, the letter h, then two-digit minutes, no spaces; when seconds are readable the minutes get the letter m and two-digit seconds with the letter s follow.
9h09m42s
